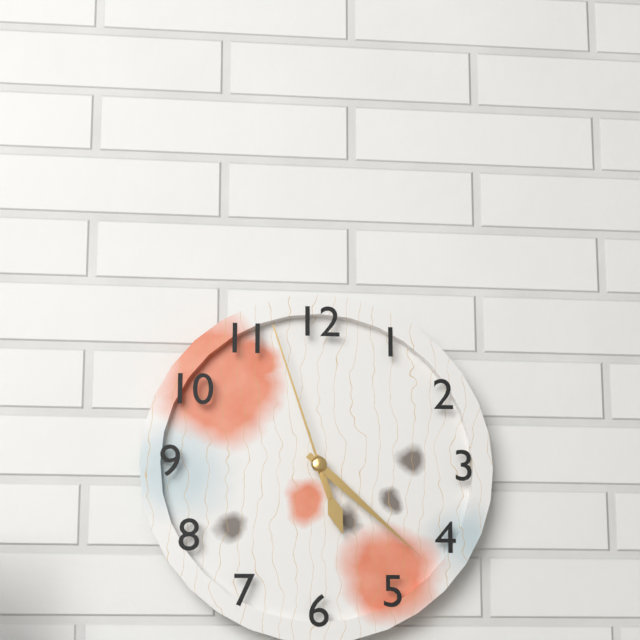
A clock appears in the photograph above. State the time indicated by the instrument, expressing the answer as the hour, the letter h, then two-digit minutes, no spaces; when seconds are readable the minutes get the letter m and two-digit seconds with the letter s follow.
5h22m57s
